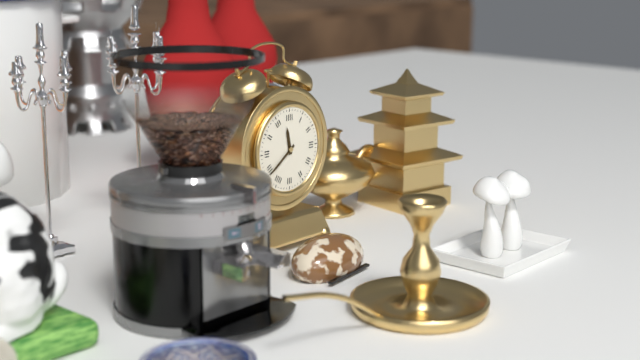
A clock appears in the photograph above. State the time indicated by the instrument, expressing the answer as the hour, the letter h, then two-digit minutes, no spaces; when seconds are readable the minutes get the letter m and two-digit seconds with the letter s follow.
11h39
